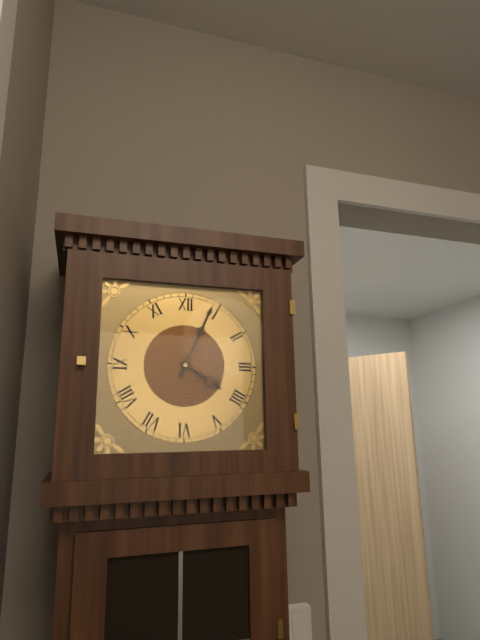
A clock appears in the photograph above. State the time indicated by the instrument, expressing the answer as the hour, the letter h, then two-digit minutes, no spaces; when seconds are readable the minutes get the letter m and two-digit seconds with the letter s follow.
4h04
